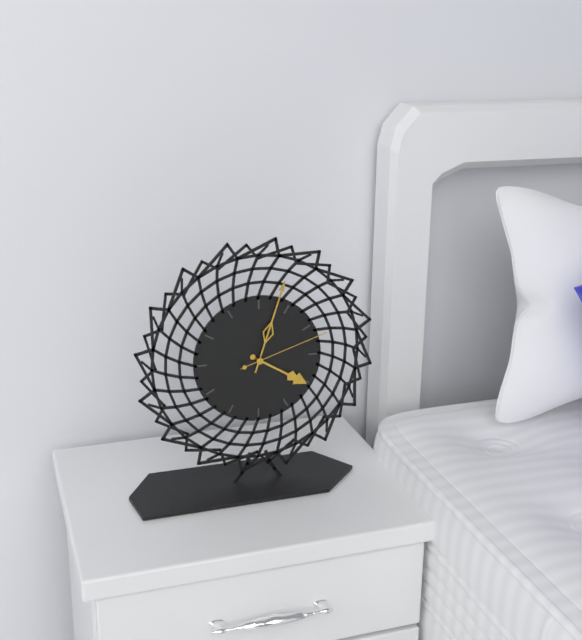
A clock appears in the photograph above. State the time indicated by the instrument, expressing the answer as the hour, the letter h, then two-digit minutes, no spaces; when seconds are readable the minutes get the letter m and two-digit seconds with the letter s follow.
4h03m12s
